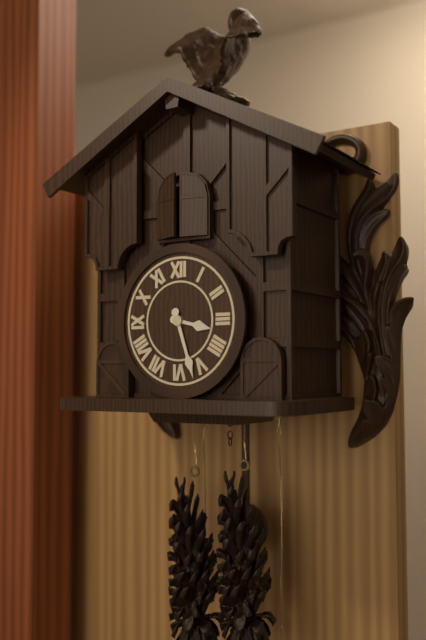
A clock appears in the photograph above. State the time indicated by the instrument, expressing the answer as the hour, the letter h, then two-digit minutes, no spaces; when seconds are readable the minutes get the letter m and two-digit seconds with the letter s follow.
3h27
